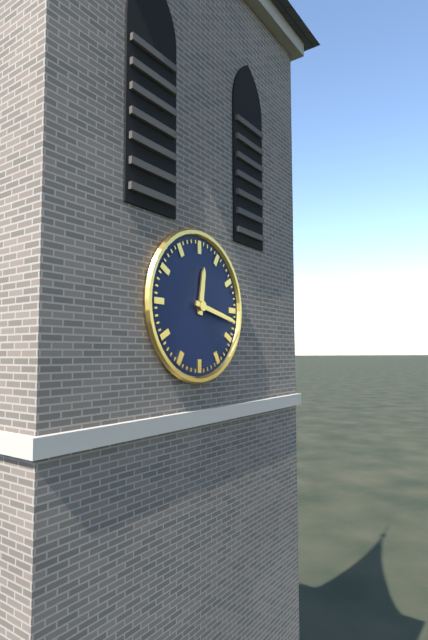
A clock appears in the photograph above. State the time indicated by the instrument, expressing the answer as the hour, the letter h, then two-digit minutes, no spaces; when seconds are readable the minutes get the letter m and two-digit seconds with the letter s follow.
12h17
